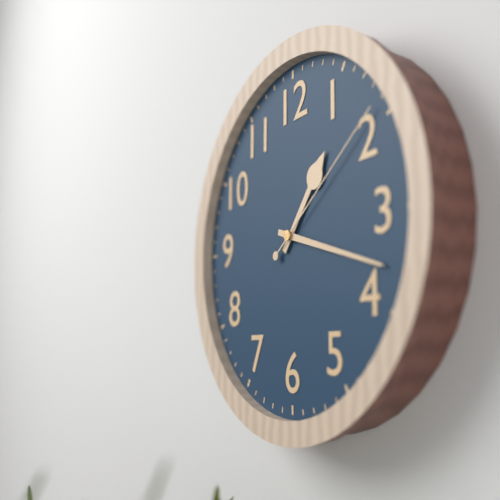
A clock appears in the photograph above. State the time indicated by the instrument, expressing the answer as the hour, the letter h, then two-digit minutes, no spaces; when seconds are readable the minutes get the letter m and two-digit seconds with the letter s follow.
1h18m09s
